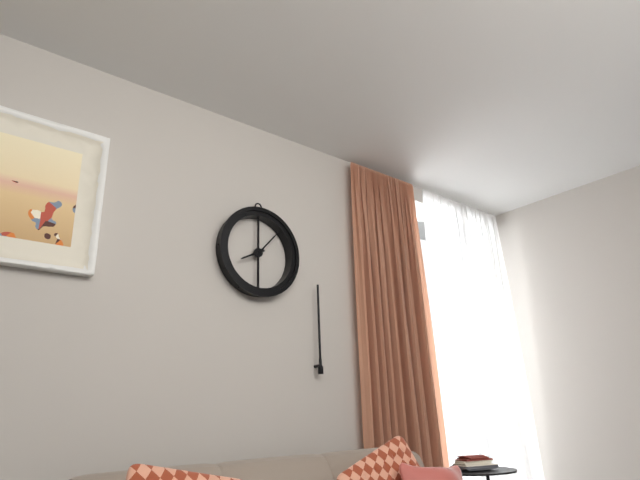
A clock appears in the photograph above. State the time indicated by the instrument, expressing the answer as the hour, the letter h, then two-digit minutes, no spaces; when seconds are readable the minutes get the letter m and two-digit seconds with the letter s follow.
8h07
